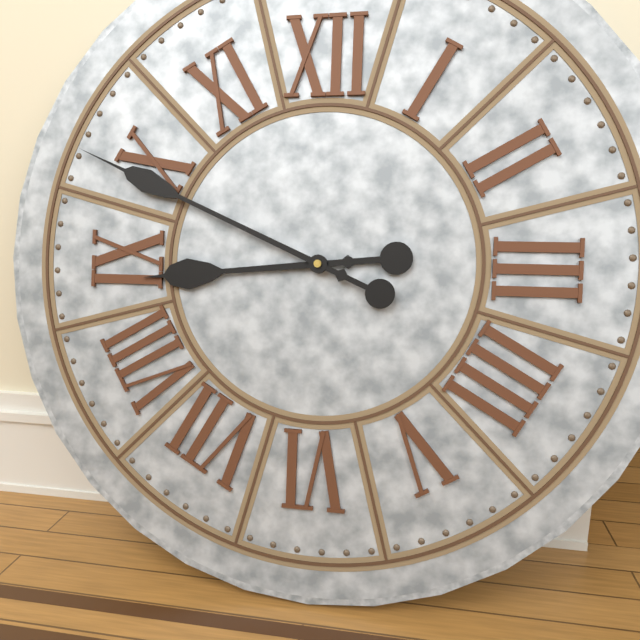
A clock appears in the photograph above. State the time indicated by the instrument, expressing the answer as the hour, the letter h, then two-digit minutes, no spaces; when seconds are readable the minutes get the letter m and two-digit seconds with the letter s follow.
8h49
